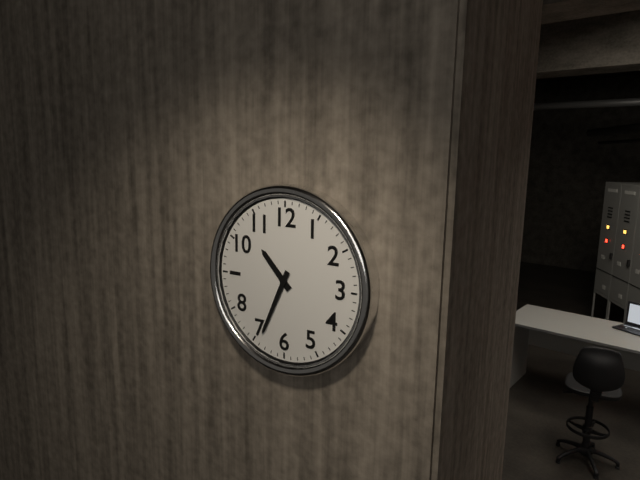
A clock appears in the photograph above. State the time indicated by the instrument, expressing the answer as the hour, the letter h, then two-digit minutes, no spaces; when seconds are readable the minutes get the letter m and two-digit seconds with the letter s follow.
10h34
